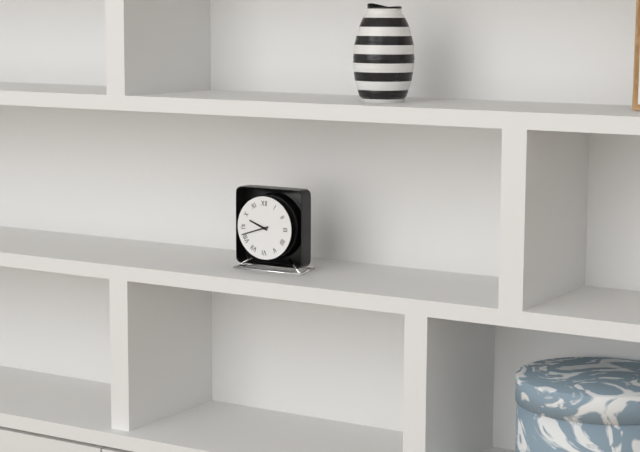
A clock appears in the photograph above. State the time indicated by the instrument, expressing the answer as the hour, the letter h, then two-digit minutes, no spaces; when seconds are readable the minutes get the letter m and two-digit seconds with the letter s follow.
9h42
